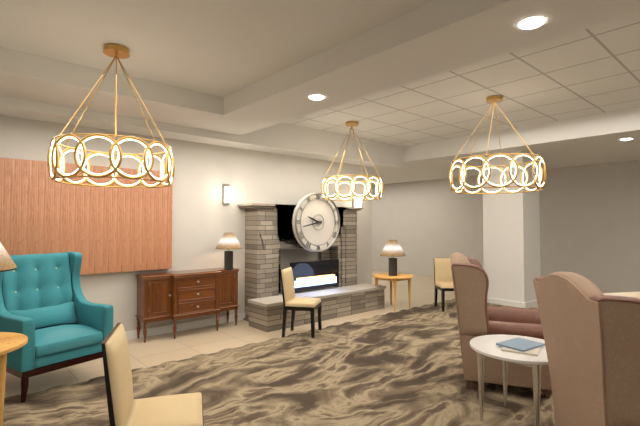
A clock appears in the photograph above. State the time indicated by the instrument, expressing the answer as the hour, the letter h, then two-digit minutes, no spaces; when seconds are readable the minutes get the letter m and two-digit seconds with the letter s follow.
9h43
